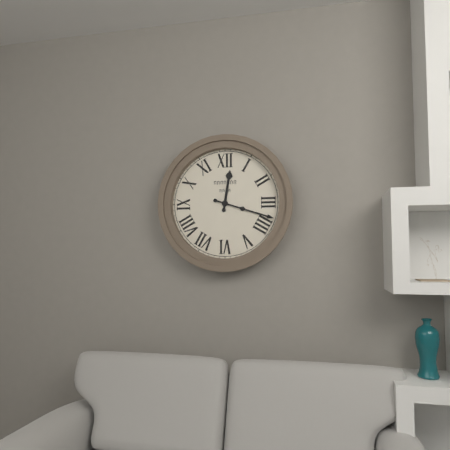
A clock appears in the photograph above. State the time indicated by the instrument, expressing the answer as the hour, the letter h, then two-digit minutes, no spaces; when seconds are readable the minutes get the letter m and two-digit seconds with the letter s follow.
12h18
